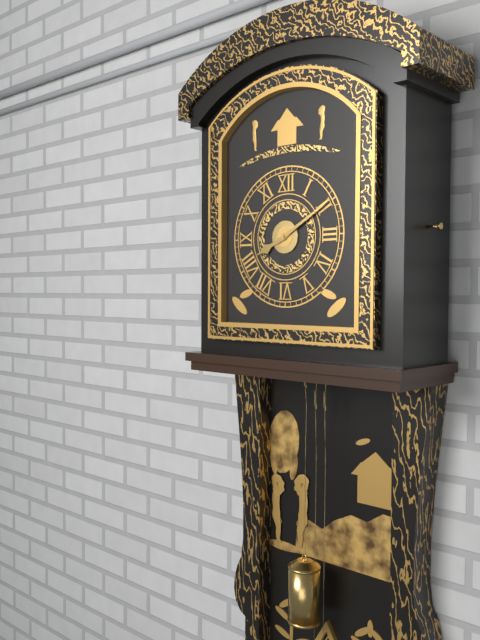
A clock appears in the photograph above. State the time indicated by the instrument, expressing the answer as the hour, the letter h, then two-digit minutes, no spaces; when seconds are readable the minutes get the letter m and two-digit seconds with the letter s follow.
8h10
